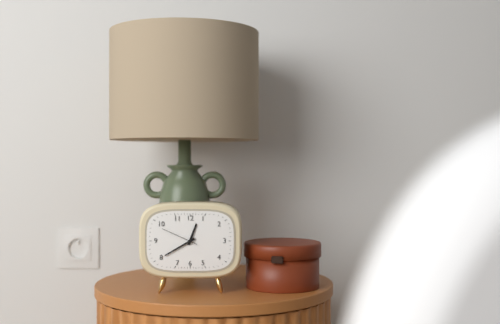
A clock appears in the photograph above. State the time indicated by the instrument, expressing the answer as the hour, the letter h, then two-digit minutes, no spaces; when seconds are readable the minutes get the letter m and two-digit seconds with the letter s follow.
12h40
